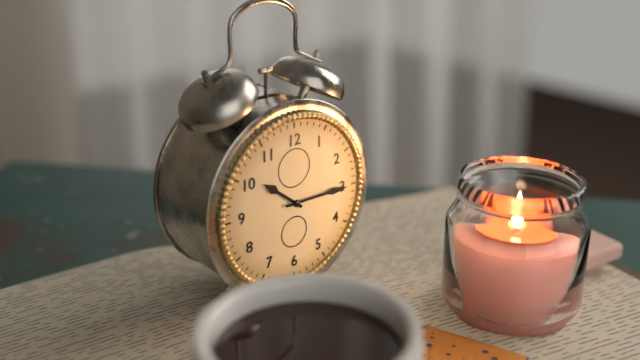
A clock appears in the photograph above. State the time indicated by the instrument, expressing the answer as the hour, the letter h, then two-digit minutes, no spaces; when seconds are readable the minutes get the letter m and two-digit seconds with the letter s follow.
10h15
